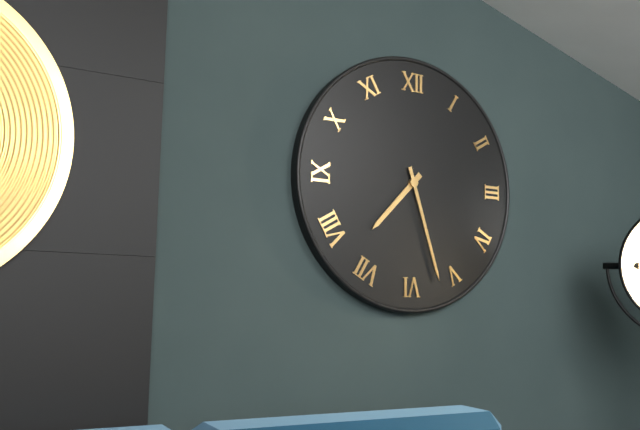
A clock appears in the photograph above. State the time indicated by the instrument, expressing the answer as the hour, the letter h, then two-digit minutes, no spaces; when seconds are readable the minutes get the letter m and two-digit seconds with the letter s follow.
7h27
